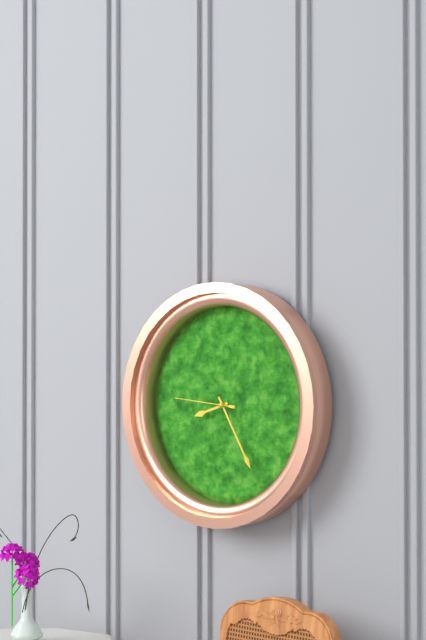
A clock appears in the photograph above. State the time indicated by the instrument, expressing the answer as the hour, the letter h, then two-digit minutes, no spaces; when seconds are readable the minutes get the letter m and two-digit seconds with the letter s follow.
8h25m46s
